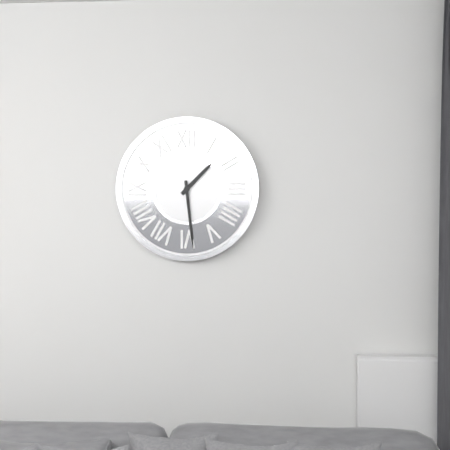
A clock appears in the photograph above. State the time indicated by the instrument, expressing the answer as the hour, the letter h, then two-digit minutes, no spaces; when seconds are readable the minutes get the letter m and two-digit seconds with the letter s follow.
1h29
